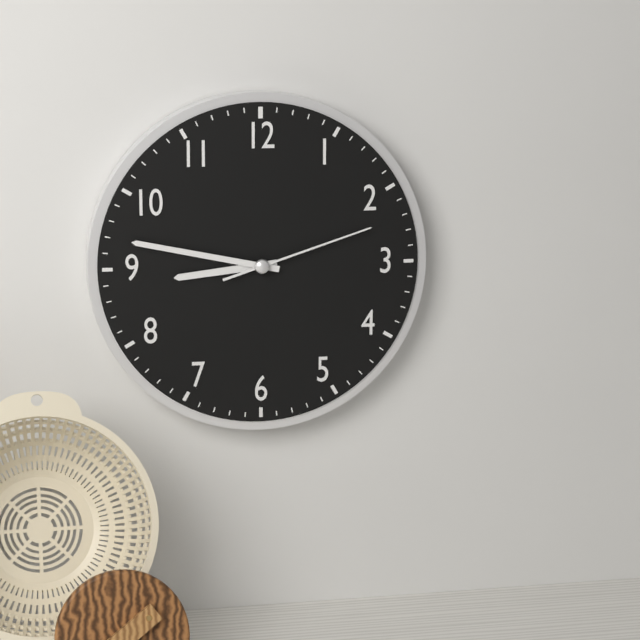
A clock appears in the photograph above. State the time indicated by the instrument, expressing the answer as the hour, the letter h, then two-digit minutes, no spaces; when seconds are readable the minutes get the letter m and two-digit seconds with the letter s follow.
8h47m12s
